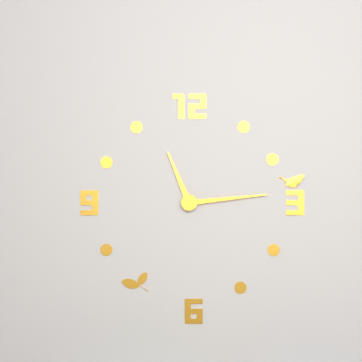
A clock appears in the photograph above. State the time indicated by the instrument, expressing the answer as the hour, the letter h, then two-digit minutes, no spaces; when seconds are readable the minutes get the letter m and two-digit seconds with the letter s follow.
11h14
